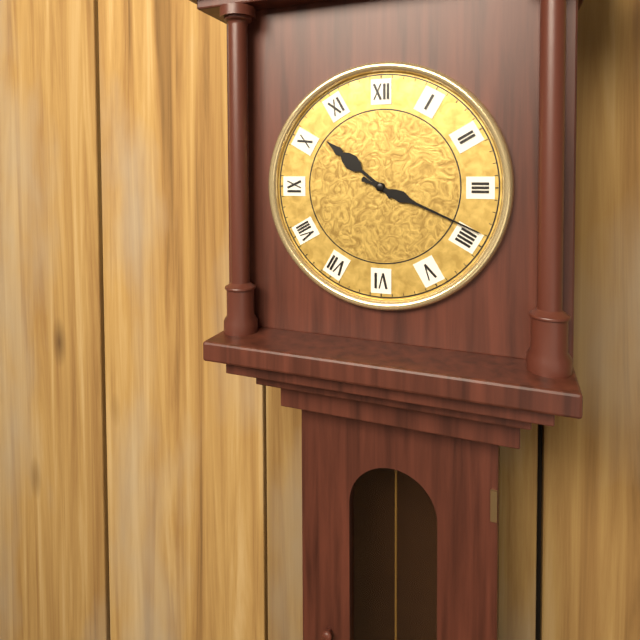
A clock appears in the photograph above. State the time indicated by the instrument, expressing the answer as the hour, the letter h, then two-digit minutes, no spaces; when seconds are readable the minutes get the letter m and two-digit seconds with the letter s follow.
10h19
